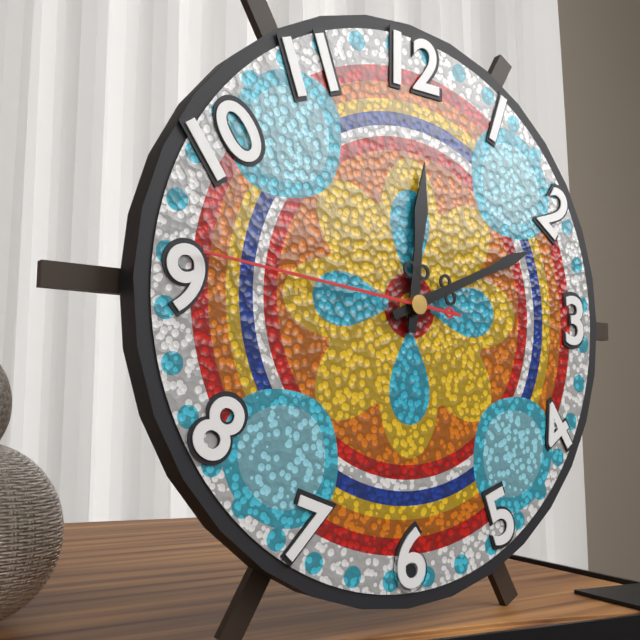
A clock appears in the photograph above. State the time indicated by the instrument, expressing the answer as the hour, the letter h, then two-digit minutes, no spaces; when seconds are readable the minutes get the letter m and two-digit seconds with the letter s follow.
12h11m46s
